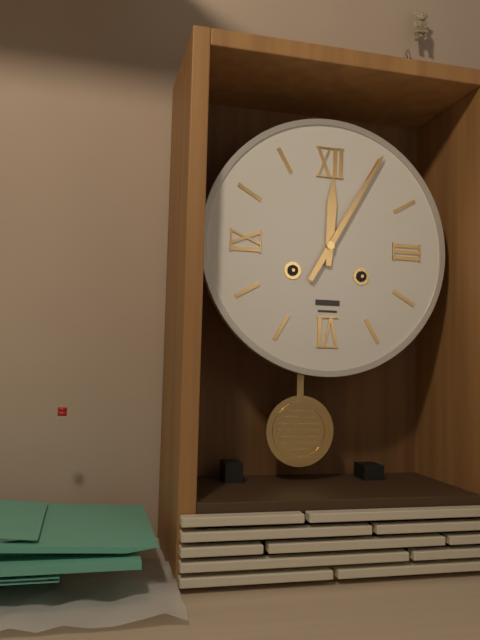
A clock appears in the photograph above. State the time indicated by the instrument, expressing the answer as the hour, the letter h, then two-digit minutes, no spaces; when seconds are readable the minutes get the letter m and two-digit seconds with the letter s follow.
12h05
